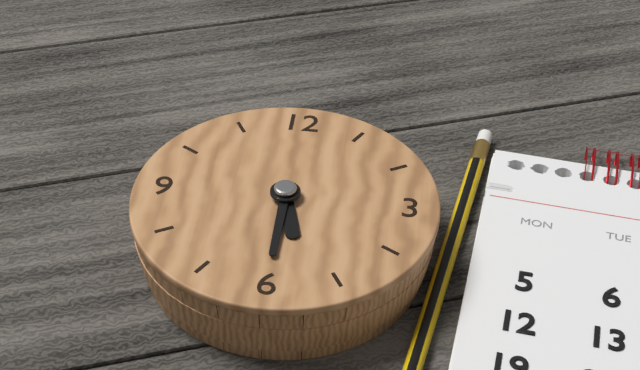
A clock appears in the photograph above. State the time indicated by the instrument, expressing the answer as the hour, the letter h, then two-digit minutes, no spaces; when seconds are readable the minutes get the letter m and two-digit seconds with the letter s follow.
5h30
